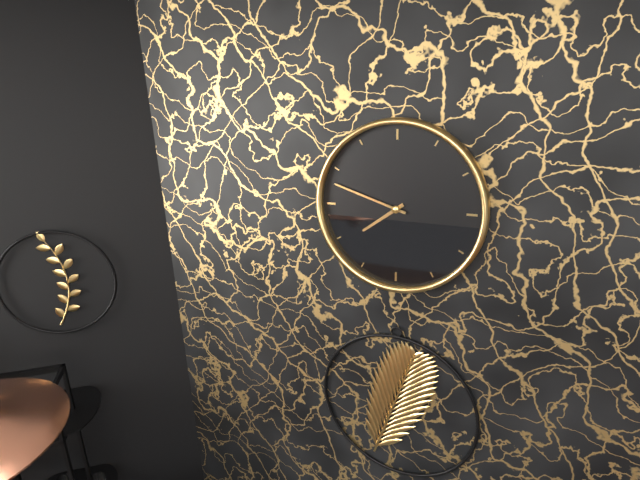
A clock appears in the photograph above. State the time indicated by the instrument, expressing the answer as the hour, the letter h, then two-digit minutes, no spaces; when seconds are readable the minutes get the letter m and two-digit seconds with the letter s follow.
7h48
